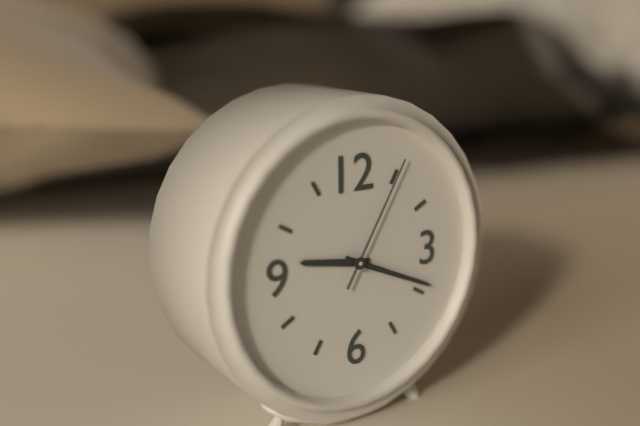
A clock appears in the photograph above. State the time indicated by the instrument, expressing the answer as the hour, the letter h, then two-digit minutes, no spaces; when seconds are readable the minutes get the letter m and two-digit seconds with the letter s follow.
9h19m05s
